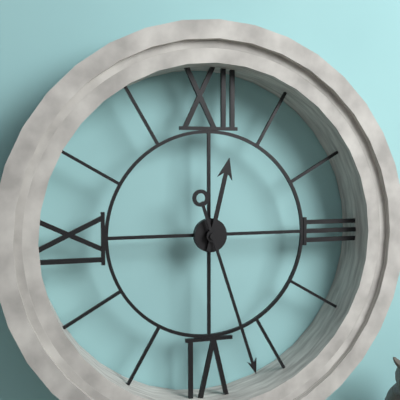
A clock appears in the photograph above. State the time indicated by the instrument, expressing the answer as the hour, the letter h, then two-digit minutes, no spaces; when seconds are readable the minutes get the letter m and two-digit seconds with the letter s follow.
12h27
